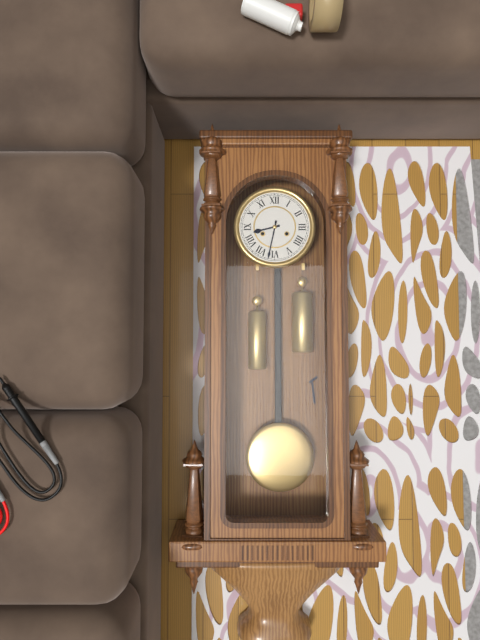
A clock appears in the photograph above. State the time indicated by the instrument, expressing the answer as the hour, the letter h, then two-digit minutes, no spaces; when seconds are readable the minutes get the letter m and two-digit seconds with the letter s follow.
8h32
